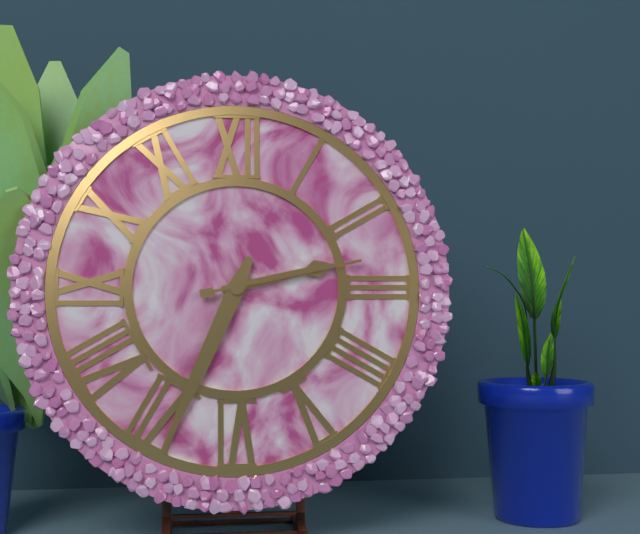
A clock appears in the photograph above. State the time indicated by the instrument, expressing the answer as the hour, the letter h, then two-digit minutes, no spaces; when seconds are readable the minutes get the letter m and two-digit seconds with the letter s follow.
2h34m13s
